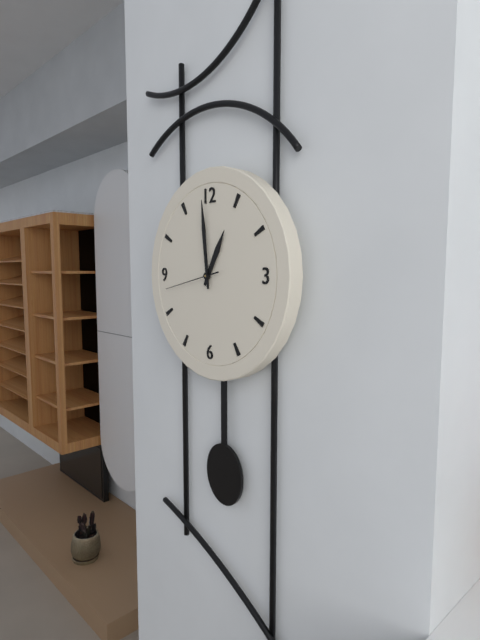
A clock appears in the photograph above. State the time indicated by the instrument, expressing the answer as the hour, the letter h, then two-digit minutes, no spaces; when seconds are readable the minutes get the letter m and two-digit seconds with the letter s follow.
12h59m43s
